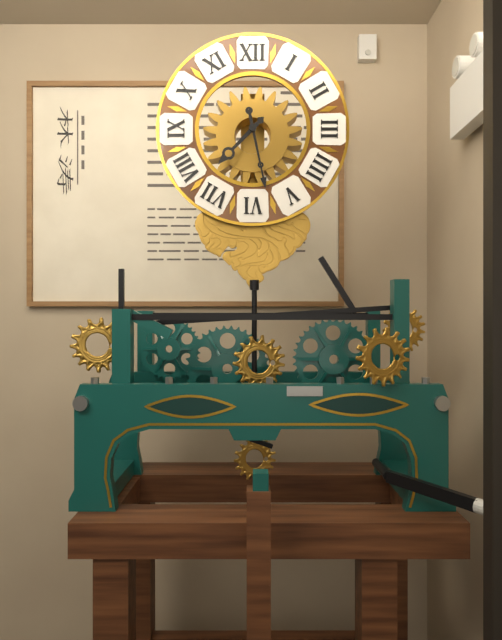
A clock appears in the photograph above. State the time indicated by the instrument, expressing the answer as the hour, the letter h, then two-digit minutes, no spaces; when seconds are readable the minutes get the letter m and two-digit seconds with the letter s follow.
7h28
